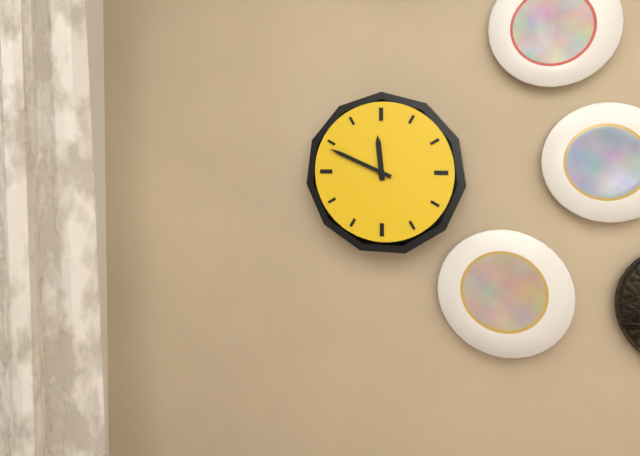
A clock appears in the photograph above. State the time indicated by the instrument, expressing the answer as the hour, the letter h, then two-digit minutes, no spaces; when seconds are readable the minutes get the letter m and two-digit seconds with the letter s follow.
11h49
